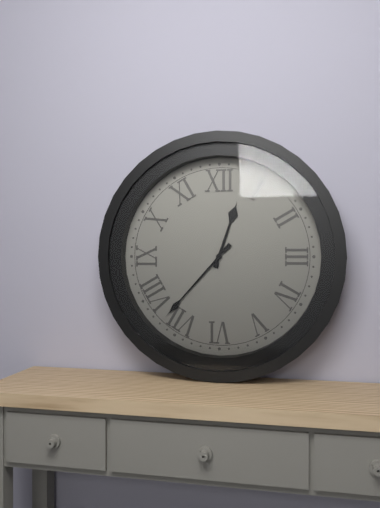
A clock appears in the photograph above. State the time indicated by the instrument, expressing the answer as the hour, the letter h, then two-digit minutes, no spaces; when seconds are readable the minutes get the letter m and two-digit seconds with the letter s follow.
12h37
